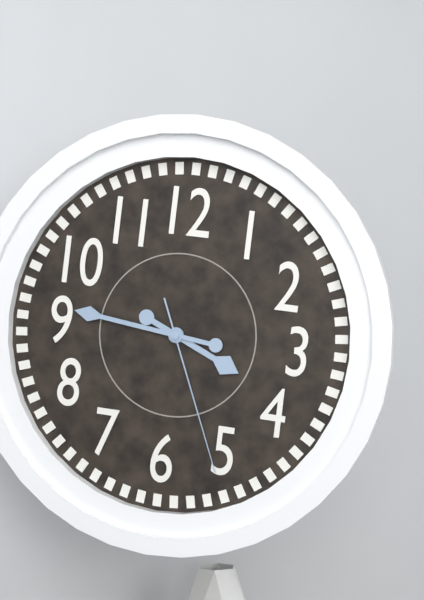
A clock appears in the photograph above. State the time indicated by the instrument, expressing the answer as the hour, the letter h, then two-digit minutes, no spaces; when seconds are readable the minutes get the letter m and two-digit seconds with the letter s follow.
3h46m26s
